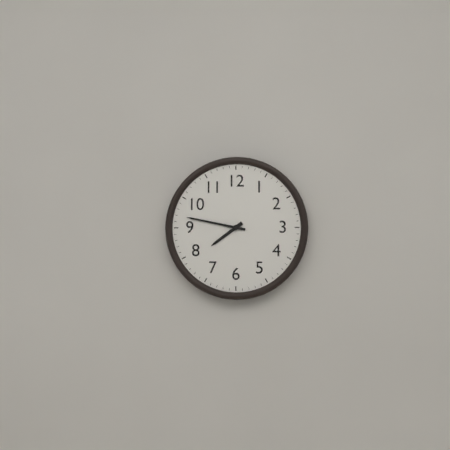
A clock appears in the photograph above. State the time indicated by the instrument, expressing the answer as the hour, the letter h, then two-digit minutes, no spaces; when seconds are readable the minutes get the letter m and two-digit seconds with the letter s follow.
7h47
